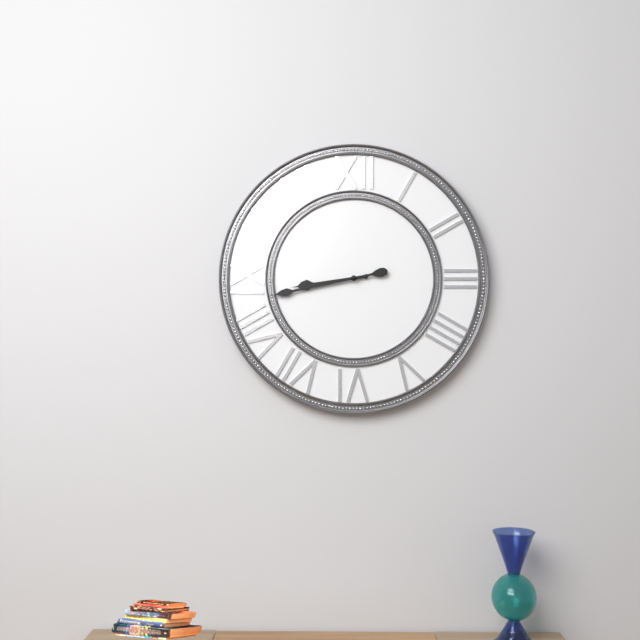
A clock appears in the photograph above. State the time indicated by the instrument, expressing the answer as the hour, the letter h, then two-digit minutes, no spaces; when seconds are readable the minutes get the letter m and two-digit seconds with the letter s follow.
8h43
